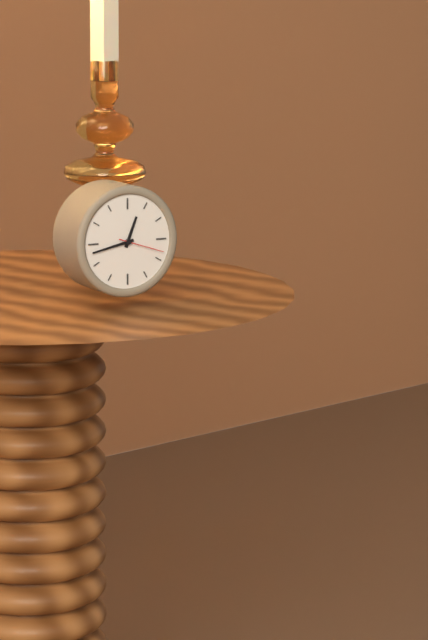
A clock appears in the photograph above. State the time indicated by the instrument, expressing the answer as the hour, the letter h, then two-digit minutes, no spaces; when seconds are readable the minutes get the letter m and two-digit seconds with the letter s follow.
12h43
